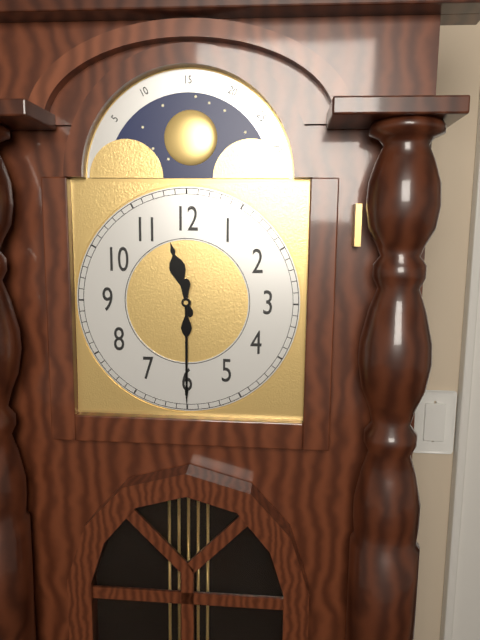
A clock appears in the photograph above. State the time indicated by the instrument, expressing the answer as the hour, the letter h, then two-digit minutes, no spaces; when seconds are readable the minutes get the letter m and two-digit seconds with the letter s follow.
11h30
